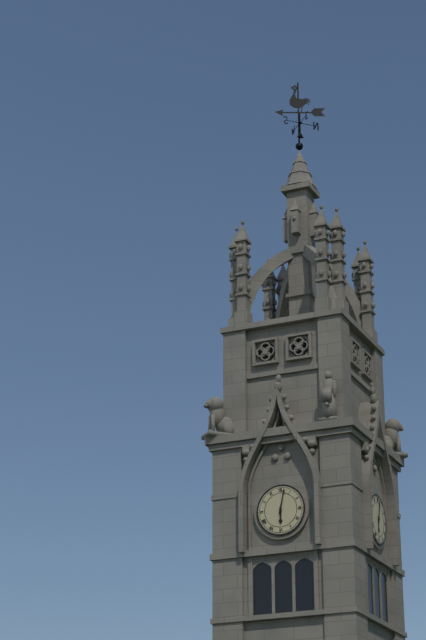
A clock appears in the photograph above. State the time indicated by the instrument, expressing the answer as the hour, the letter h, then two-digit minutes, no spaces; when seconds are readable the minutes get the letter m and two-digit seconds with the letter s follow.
6h02
